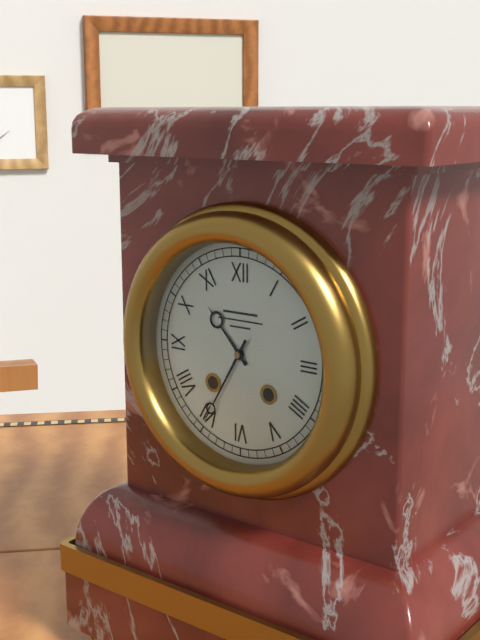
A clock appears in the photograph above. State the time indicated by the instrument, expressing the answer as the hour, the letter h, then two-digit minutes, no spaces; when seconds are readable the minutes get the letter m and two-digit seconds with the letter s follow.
10h35
